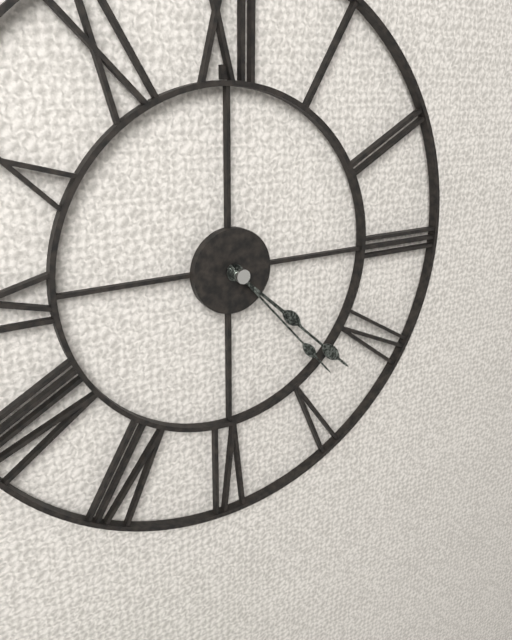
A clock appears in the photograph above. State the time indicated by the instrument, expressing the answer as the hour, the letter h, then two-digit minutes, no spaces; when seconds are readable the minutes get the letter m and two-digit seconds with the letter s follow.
4h22m23s
